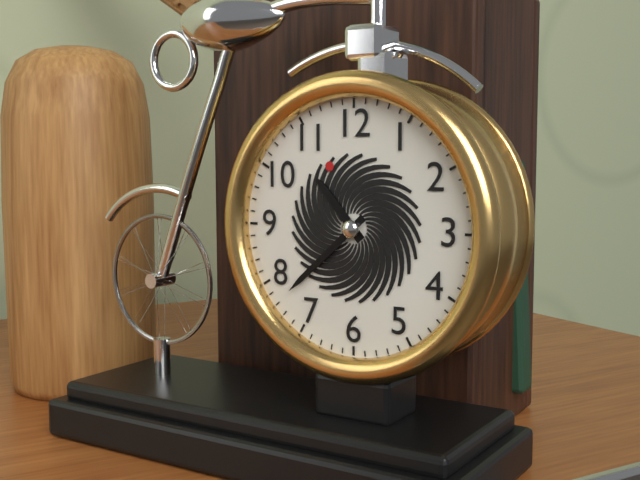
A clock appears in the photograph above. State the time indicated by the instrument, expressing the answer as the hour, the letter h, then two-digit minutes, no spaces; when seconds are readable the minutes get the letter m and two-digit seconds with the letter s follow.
10h38
